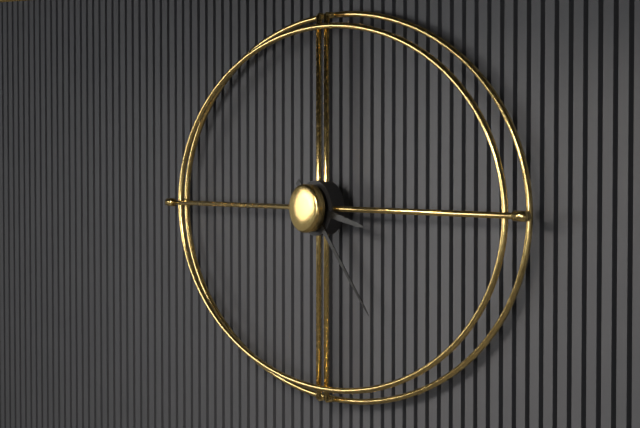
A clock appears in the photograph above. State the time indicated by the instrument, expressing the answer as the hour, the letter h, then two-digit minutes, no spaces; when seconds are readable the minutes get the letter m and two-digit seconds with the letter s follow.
3h23
